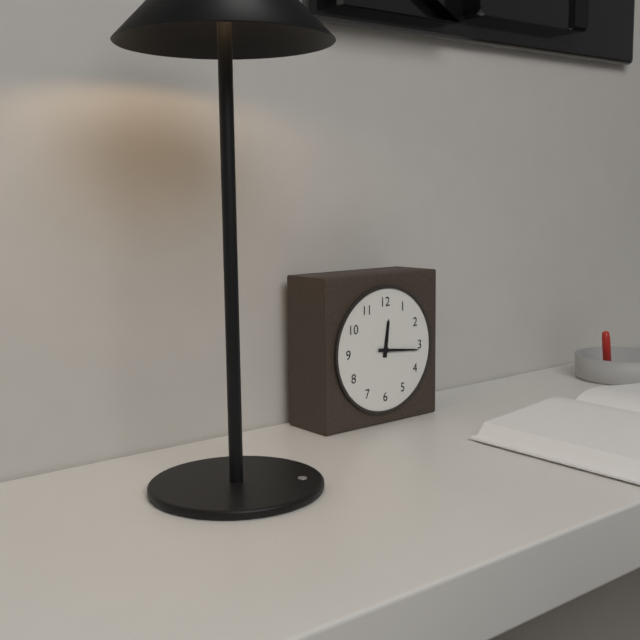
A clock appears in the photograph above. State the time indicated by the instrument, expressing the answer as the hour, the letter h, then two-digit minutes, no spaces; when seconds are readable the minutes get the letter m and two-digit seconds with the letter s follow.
12h16
